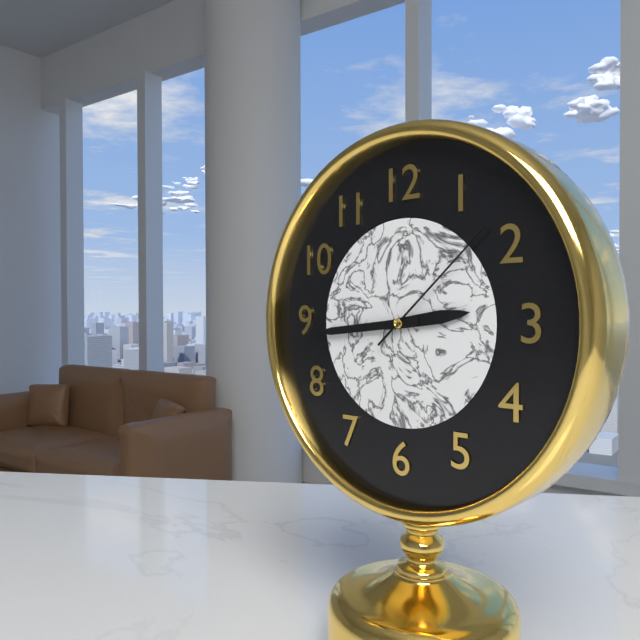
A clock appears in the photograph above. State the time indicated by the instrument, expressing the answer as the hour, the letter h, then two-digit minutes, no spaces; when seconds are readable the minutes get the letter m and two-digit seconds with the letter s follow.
2h44m08s
